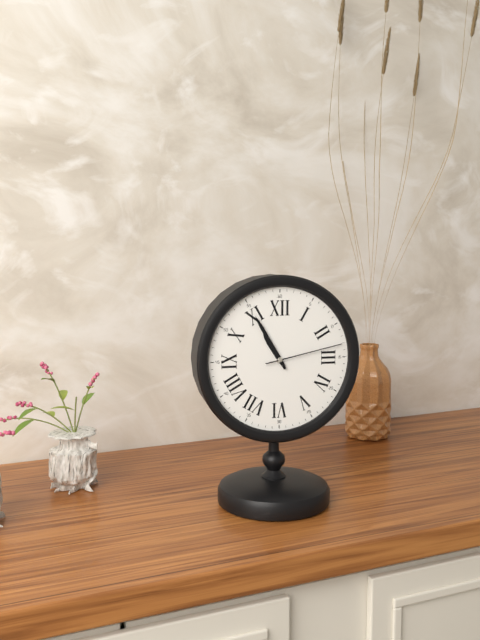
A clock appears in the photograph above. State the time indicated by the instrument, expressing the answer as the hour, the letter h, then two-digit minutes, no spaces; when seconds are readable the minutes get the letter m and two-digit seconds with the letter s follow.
10h55m13s
